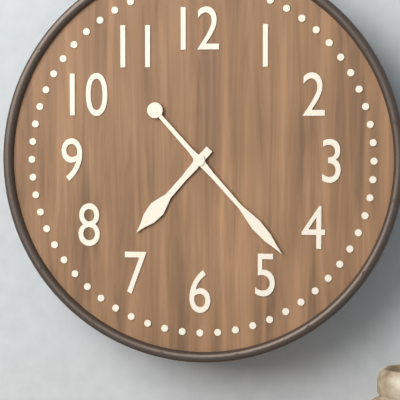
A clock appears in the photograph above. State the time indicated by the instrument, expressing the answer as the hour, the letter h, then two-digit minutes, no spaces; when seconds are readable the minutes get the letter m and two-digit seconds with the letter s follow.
7h23
